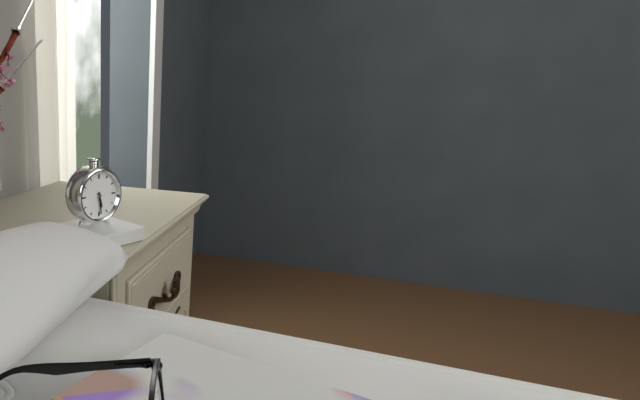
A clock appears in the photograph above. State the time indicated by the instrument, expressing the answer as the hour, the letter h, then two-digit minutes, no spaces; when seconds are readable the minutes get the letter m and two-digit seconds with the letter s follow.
5h29
